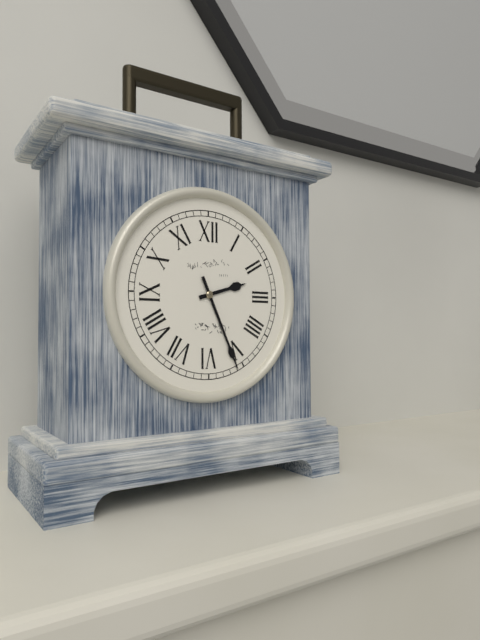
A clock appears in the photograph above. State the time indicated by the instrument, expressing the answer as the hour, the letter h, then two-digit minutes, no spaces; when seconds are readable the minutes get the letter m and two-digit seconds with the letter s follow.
2h26
